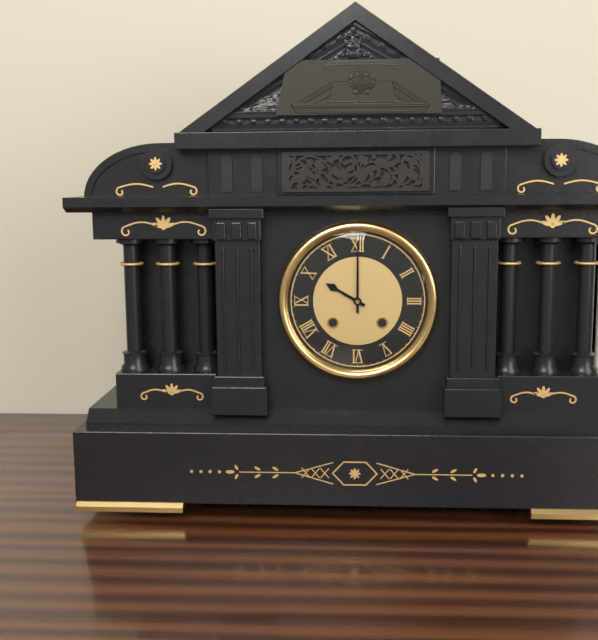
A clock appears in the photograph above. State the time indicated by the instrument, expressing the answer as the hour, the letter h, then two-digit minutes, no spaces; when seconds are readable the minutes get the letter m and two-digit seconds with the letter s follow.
10h00
